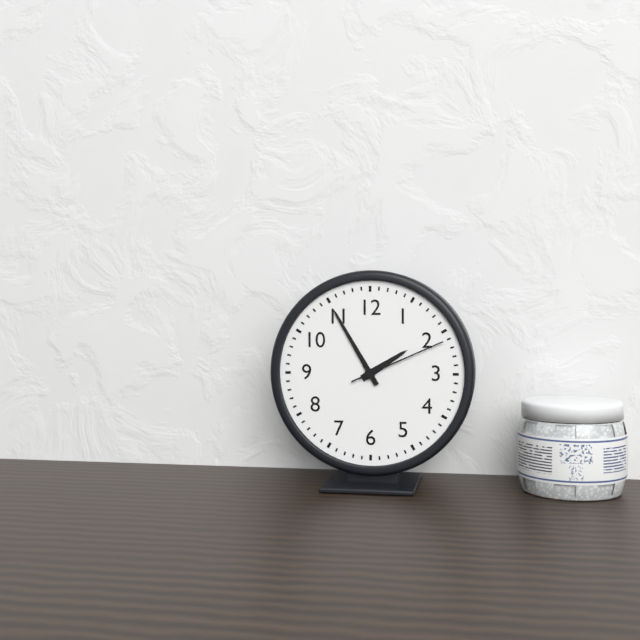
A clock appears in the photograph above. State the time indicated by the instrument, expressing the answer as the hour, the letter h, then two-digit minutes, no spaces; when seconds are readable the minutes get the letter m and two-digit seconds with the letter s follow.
1h55m11s
